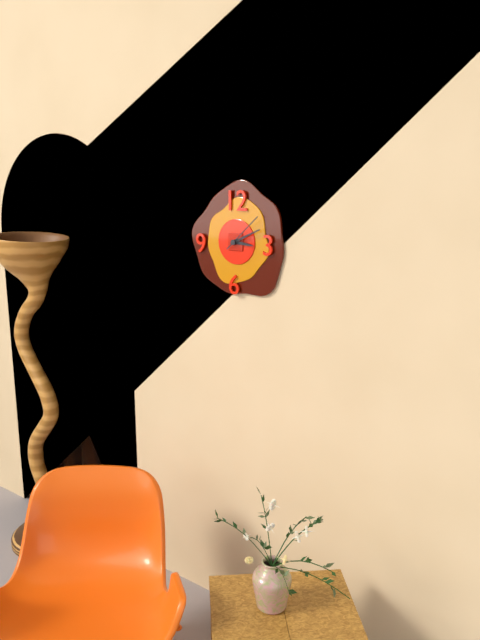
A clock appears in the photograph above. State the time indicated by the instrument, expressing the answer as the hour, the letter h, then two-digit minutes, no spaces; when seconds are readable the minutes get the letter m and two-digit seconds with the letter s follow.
3h11
